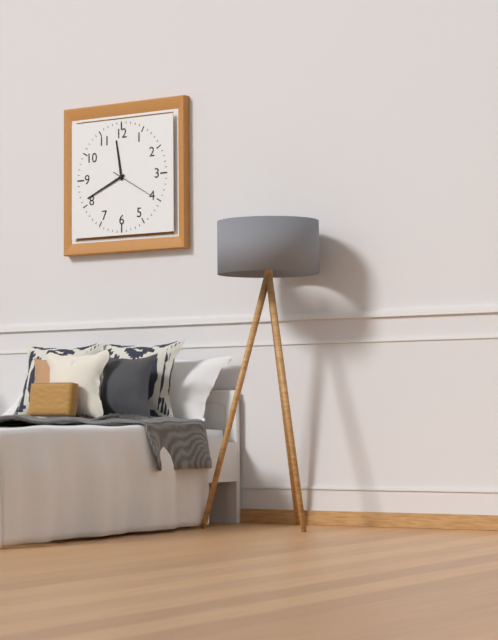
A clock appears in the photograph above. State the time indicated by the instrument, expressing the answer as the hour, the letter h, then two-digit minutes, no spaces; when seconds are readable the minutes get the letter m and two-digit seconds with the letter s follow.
11h41
